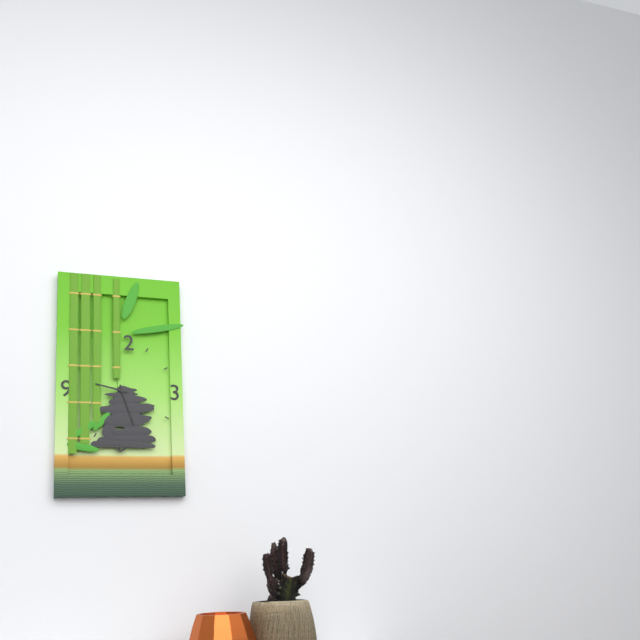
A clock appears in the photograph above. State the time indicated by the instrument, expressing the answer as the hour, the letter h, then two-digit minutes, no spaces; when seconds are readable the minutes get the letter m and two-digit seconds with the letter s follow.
9h27
